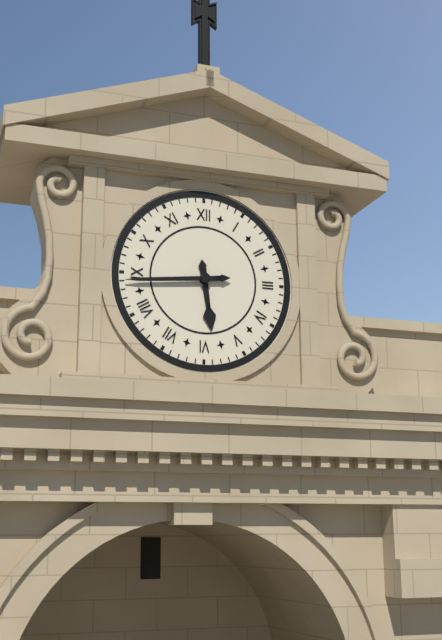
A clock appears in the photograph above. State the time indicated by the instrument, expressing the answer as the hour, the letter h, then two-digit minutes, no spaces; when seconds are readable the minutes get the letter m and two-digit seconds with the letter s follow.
5h44
